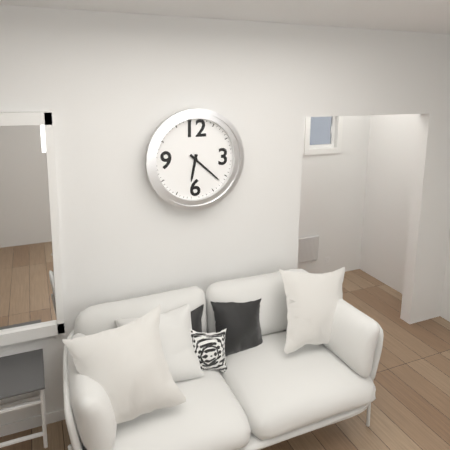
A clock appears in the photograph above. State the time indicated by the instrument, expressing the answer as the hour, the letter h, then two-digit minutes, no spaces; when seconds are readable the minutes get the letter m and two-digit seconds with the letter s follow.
6h22
